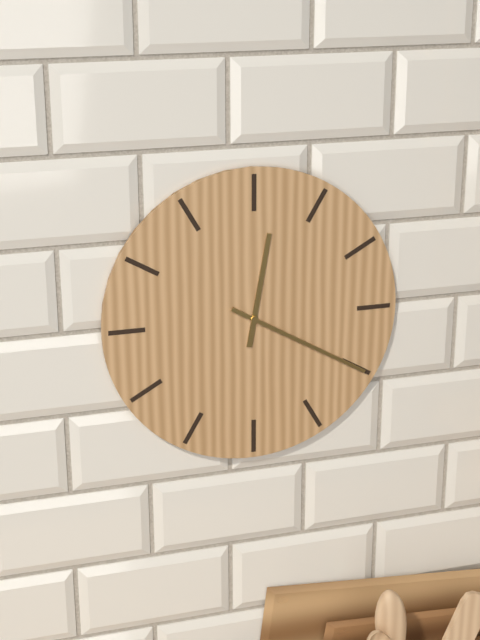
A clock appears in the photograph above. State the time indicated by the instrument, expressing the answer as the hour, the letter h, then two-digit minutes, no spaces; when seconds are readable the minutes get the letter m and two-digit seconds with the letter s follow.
12h20
